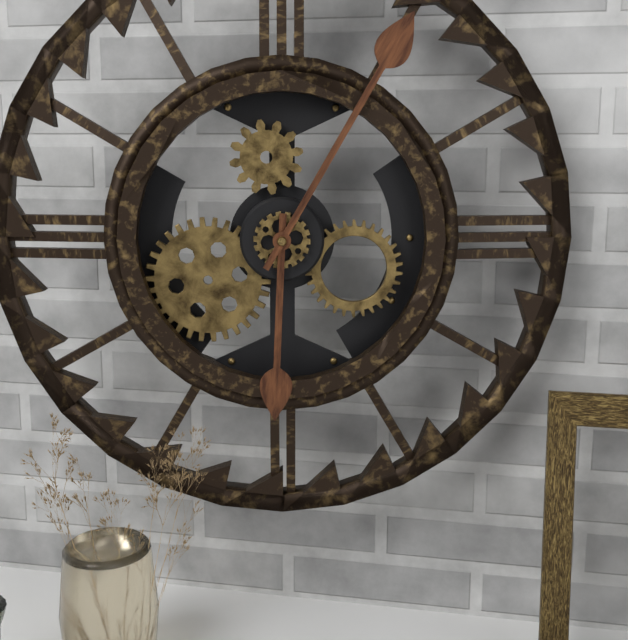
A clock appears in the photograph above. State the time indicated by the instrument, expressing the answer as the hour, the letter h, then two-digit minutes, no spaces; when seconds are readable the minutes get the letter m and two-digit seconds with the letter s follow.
6h05
